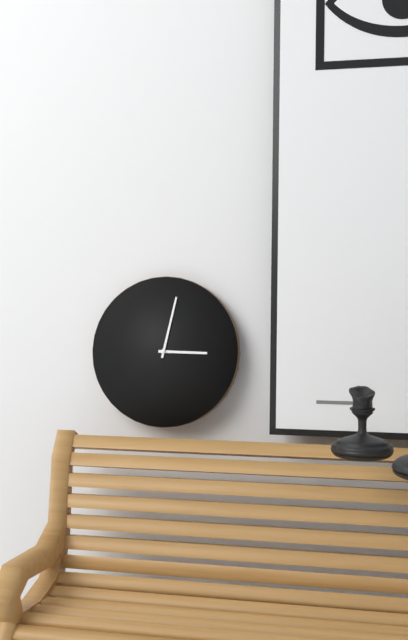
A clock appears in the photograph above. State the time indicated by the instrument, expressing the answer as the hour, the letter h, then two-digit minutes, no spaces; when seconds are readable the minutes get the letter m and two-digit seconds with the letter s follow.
3h02
